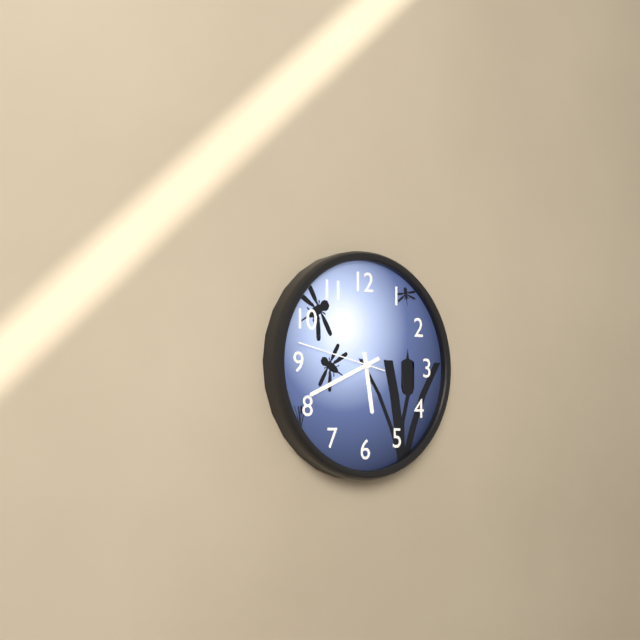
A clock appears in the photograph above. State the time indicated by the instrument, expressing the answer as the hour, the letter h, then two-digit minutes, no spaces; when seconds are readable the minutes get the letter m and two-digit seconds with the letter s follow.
5h41m47s
